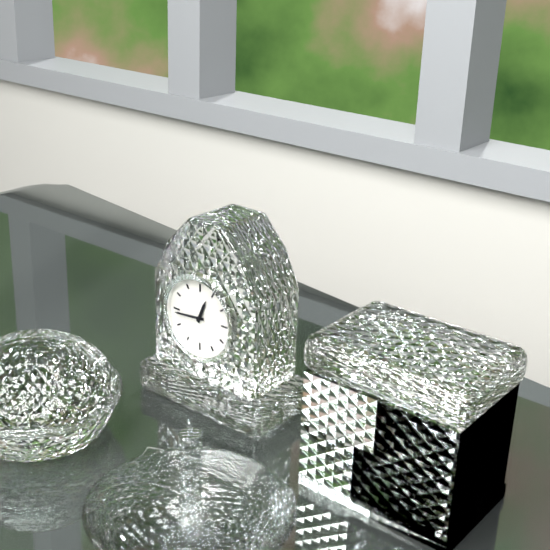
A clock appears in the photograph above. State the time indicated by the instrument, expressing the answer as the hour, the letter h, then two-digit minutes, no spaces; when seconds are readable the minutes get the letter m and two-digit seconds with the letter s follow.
12h44
